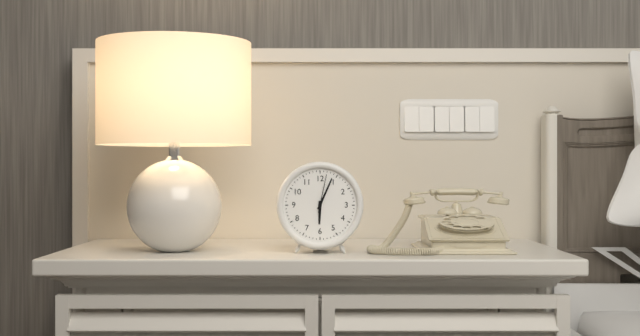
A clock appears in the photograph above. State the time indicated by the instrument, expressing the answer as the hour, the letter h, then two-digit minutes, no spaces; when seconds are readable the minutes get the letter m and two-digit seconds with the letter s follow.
6h04
